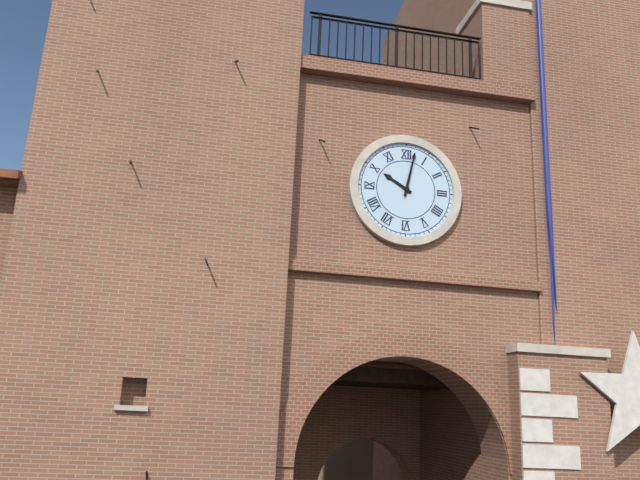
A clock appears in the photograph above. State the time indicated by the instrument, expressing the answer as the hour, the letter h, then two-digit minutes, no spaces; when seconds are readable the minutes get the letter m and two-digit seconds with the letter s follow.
10h02
